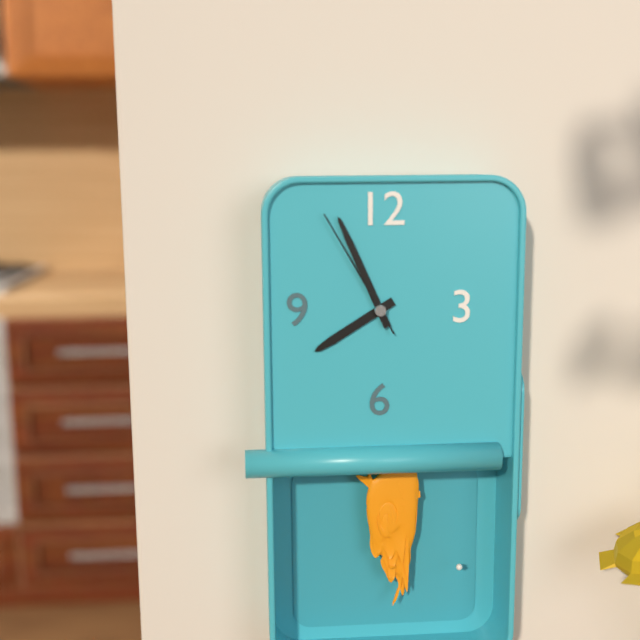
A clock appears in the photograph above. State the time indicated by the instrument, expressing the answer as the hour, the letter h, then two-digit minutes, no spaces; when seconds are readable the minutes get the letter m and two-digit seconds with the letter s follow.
7h56m55s
